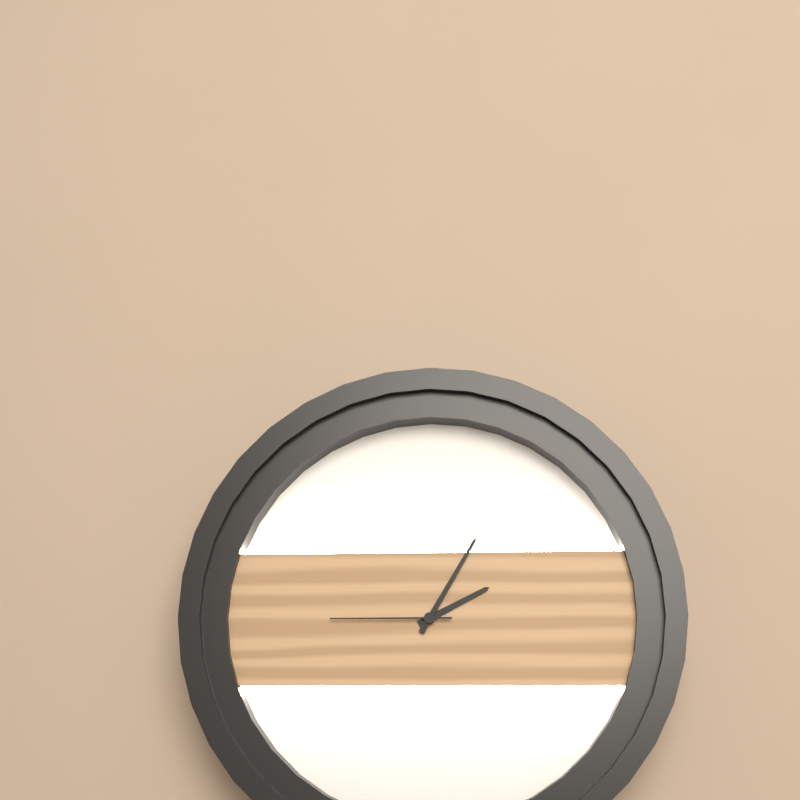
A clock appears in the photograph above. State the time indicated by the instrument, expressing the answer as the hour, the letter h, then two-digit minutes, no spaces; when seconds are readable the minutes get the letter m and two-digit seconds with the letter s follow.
2h05m45s
